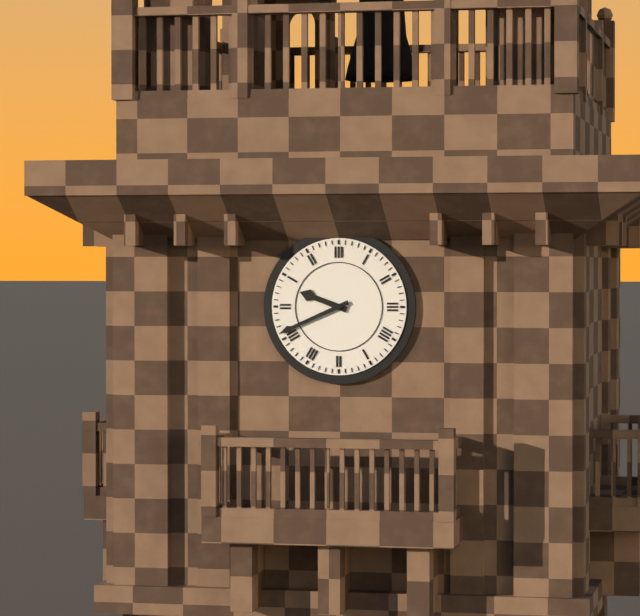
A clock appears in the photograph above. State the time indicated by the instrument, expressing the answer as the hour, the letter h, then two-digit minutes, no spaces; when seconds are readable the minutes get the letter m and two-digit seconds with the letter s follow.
9h41
